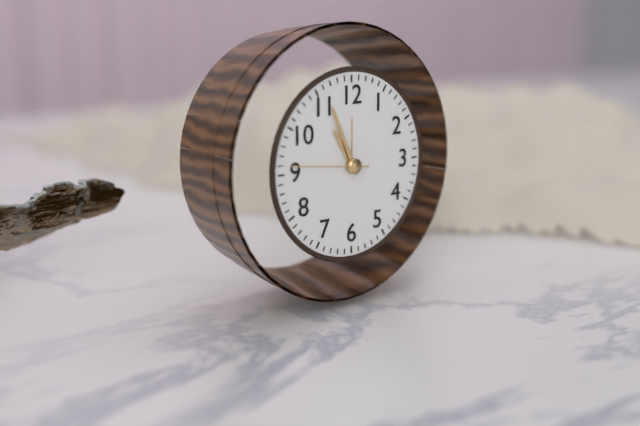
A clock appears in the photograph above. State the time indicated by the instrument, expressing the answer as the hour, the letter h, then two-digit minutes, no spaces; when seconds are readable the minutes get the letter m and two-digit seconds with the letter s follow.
10h56m46s
